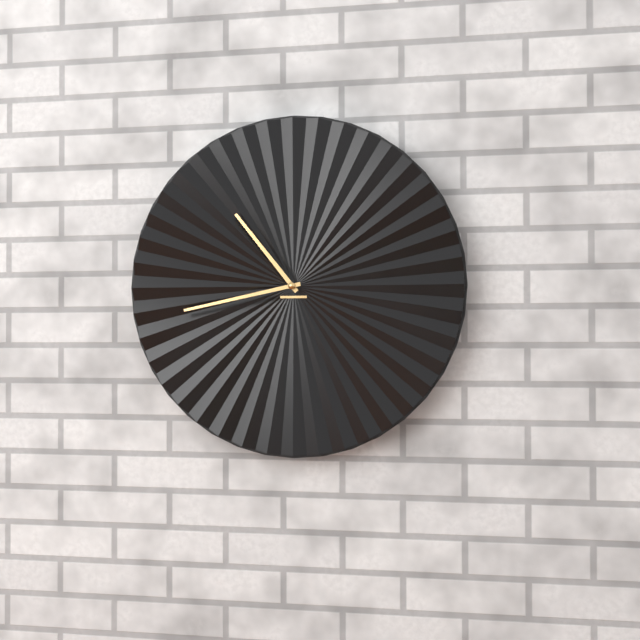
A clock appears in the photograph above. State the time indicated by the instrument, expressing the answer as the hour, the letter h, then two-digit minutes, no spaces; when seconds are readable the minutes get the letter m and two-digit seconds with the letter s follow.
10h43
